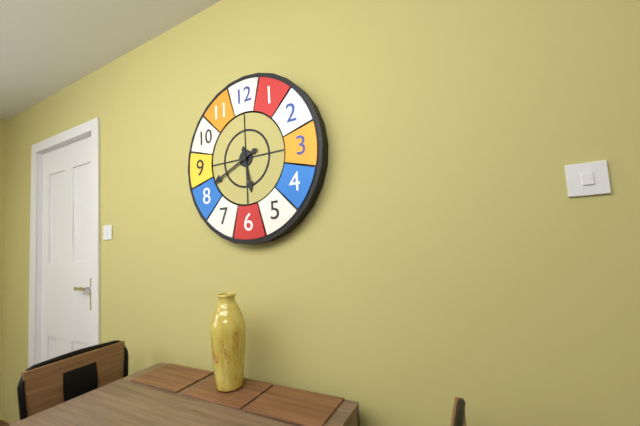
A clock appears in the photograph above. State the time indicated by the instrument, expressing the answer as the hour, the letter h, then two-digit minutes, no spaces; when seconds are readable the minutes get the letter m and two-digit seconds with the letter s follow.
5h41
